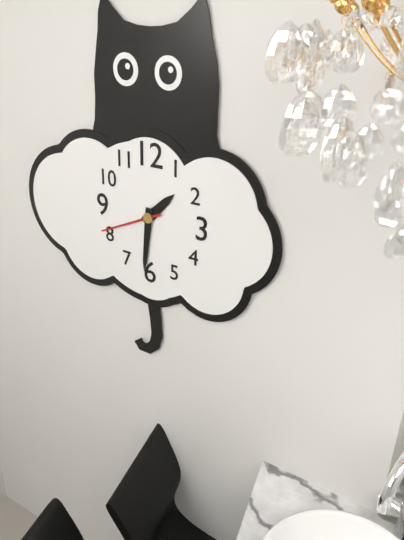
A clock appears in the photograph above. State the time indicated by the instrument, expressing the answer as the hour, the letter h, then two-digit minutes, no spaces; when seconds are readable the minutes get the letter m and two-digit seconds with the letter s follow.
1h31m41s
